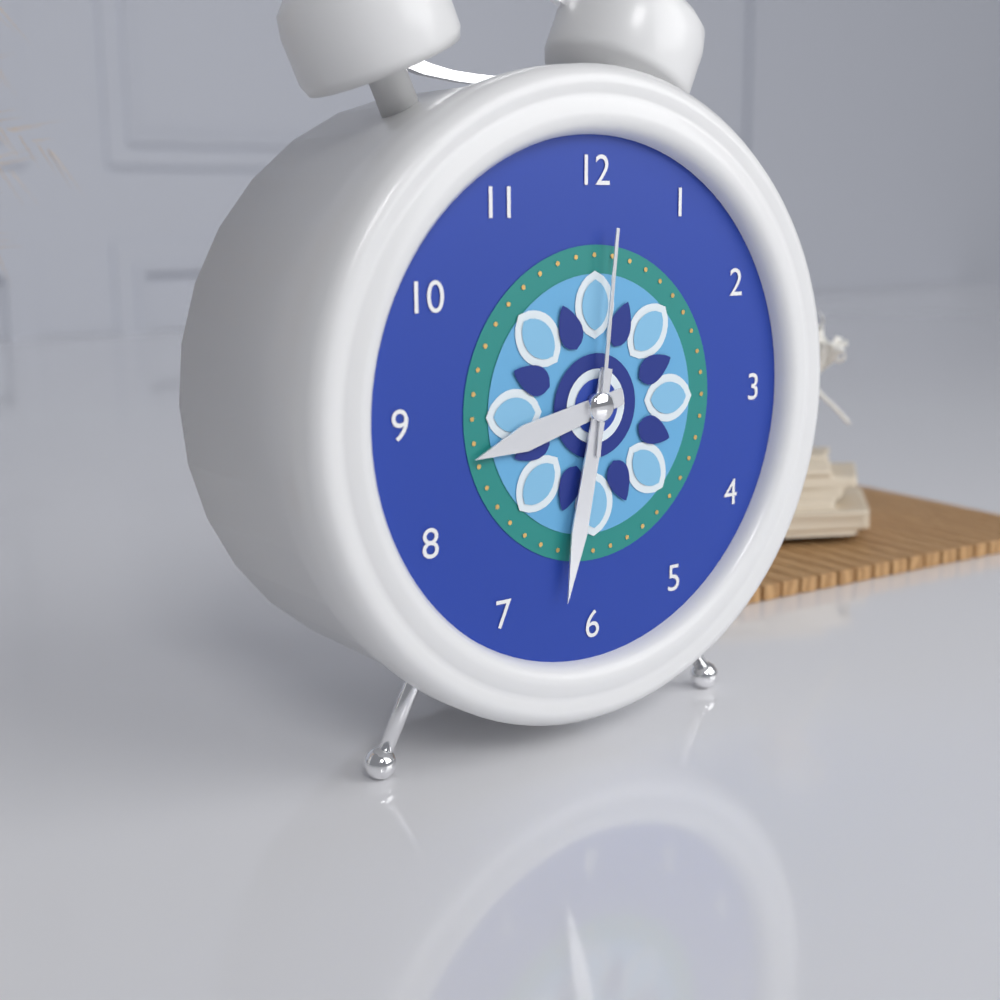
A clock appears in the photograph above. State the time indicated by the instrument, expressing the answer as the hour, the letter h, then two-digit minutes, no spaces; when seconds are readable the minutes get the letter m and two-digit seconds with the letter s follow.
8h32m01s
